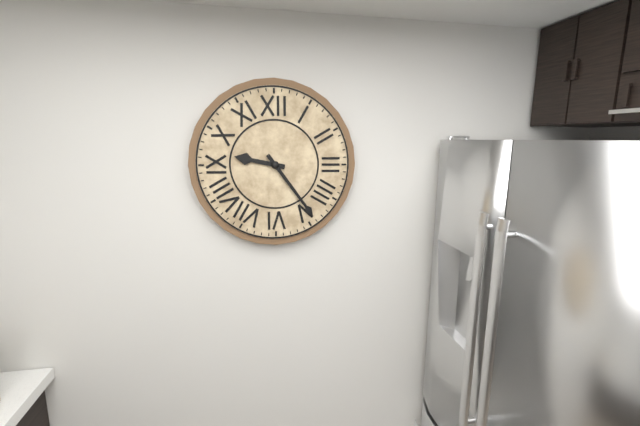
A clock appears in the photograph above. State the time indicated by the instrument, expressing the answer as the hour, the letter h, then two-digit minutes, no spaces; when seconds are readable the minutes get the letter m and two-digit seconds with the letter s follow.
9h24
